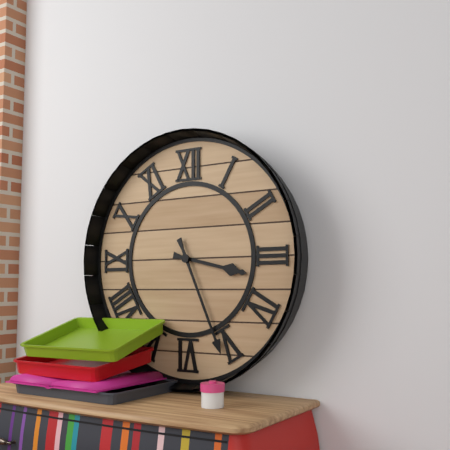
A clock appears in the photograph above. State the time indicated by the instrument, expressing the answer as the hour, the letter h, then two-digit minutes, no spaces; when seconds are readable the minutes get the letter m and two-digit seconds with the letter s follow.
3h26
